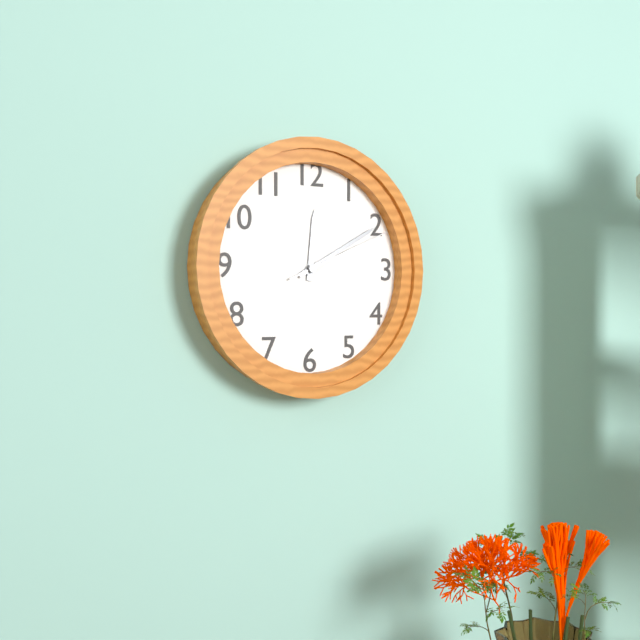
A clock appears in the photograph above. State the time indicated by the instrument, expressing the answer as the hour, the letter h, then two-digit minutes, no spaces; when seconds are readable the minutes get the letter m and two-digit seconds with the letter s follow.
12h10m11s
